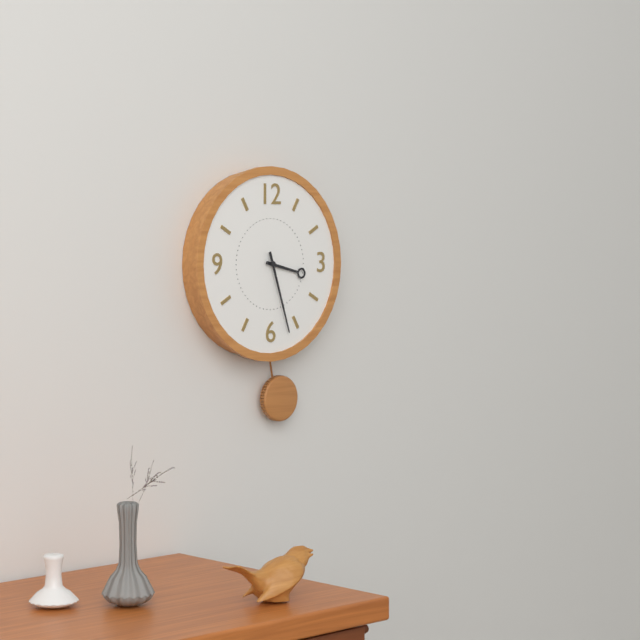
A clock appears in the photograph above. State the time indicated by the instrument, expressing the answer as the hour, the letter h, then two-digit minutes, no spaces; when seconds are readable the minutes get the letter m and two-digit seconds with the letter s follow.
3h27
